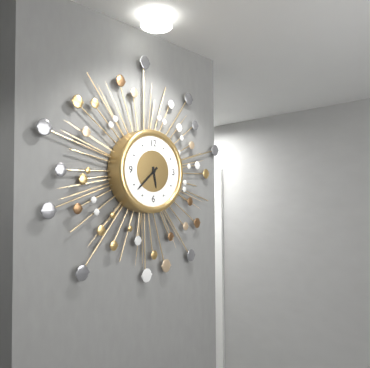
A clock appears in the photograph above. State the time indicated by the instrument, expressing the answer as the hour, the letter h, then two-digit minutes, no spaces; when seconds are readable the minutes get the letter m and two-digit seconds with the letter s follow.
5h38
